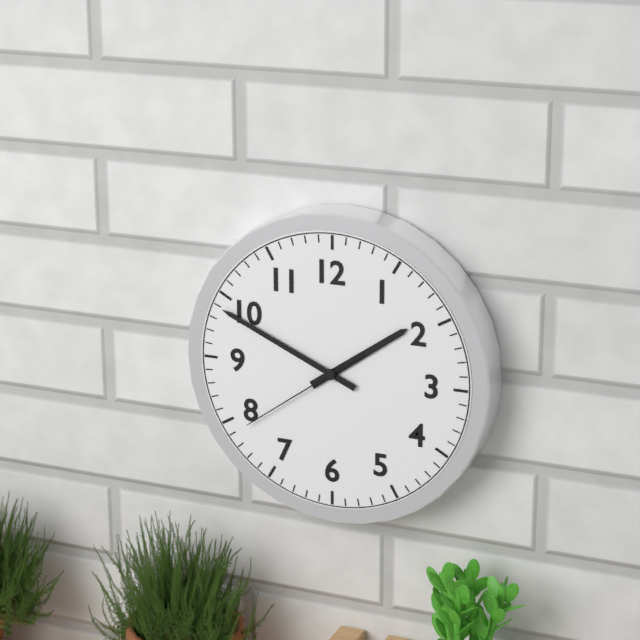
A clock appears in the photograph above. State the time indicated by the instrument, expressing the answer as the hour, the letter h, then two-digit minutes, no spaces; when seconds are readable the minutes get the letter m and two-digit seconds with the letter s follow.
1h49m39s
